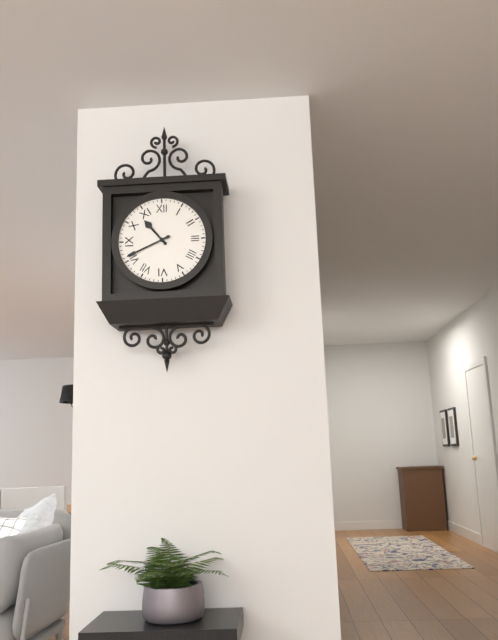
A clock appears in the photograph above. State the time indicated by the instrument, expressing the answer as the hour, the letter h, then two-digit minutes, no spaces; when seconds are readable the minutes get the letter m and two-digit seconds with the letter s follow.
10h41
